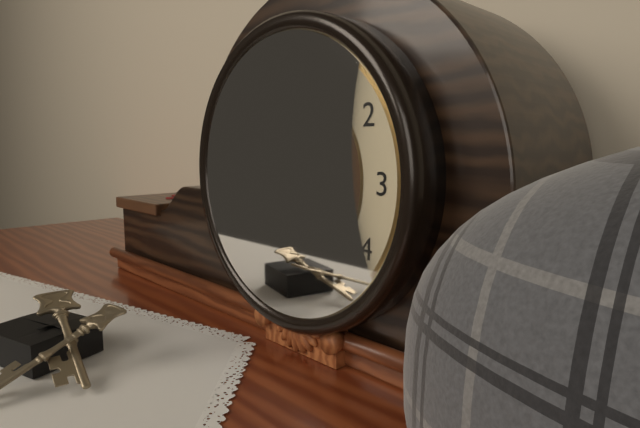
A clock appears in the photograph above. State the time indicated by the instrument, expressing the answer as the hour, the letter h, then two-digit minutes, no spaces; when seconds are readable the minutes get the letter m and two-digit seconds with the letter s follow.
9h35
